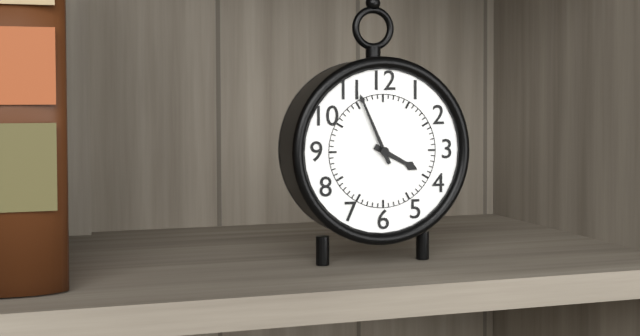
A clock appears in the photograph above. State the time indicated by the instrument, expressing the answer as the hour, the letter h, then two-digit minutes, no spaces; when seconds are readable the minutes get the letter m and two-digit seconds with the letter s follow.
3h56
